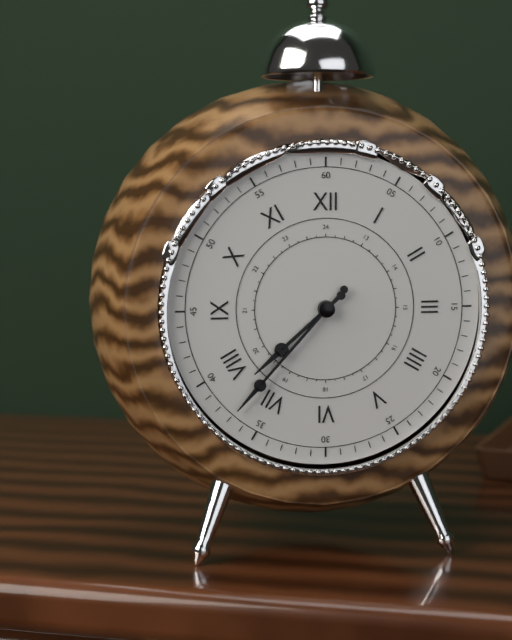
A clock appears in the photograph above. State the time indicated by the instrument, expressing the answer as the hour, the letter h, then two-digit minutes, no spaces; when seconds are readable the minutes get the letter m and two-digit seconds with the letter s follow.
7h37
